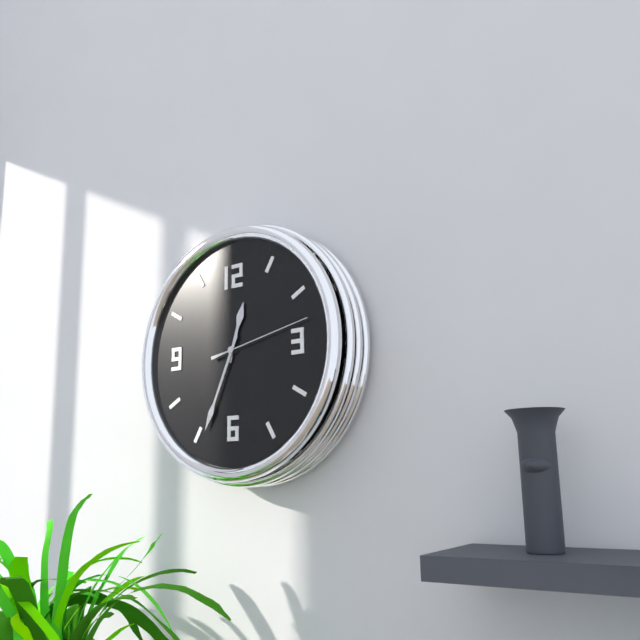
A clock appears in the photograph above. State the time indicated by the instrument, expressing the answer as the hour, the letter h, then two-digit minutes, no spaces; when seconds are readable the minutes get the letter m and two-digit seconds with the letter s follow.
12h34m13s
